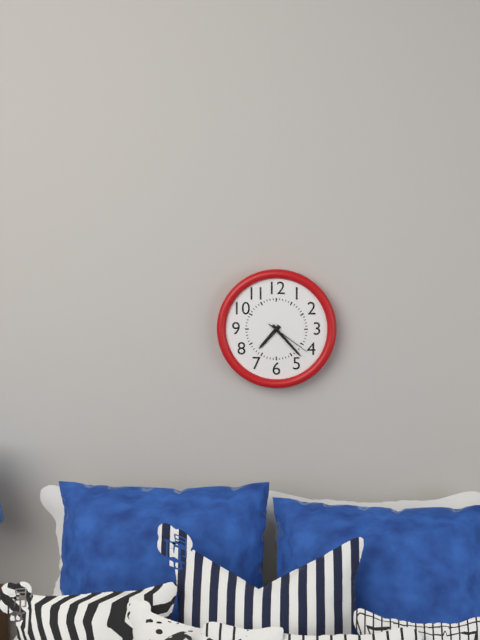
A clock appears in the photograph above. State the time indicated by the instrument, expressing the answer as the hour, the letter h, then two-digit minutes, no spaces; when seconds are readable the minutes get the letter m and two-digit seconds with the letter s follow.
7h23
